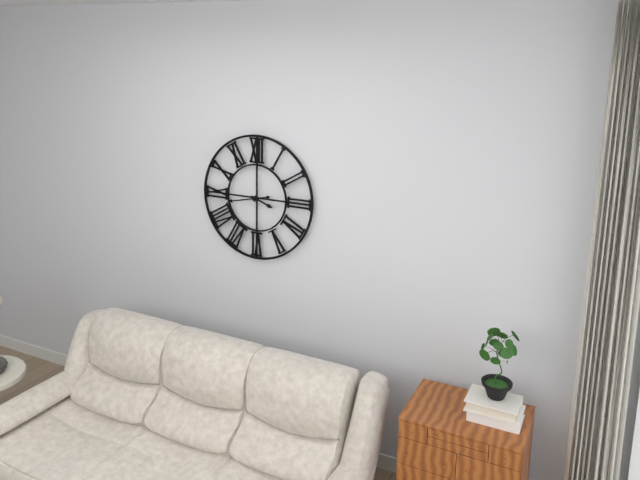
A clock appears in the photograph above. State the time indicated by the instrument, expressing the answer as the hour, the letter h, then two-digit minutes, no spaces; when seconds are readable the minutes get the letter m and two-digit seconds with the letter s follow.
3h43
